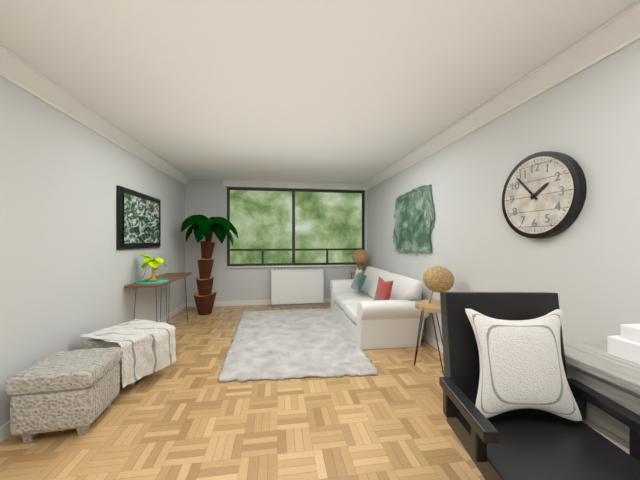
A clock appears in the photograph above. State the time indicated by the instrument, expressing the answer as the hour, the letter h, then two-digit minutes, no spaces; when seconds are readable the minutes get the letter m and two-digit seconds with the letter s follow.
1h53
